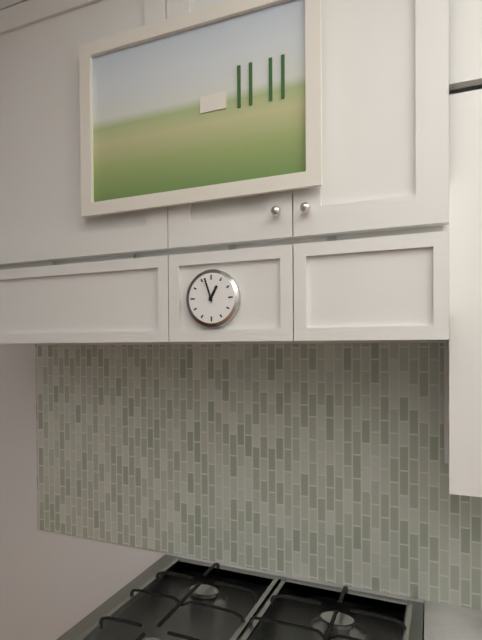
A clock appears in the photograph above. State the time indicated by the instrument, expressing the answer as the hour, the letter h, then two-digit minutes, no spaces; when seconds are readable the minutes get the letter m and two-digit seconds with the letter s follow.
12h57
